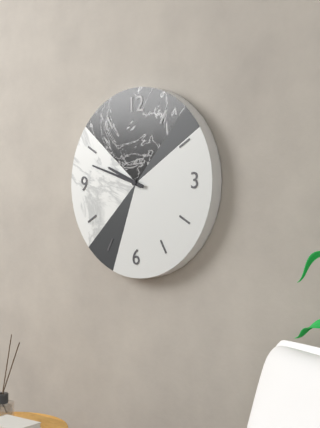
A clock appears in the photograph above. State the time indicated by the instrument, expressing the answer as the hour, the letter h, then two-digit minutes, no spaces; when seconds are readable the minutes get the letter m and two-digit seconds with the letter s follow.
9h48
